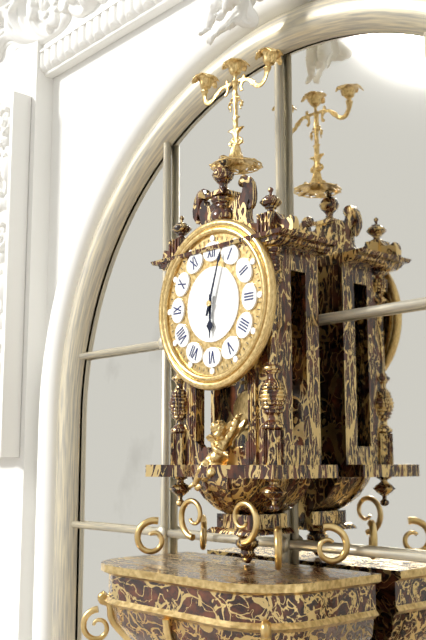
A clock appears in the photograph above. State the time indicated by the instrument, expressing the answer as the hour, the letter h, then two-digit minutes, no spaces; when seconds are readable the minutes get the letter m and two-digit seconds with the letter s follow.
6h03
